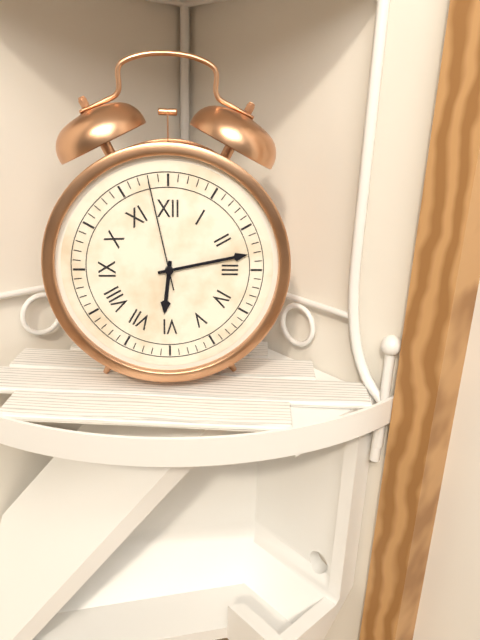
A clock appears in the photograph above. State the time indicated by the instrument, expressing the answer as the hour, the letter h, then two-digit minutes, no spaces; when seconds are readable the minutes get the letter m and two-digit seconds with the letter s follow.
6h13m58s
